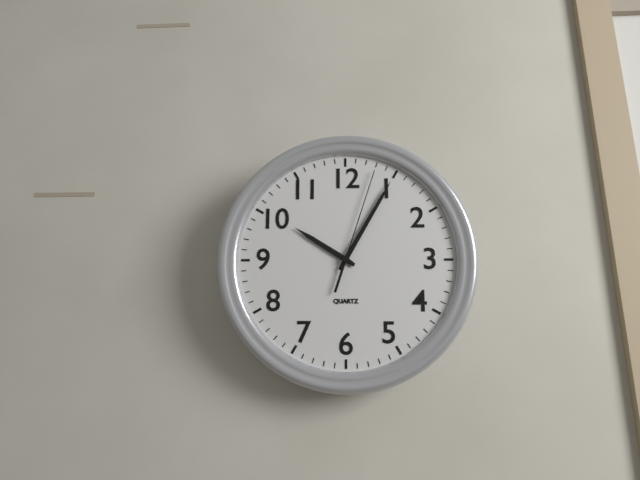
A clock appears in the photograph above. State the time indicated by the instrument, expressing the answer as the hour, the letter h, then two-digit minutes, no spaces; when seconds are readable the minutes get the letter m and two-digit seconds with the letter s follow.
10h05m03s
